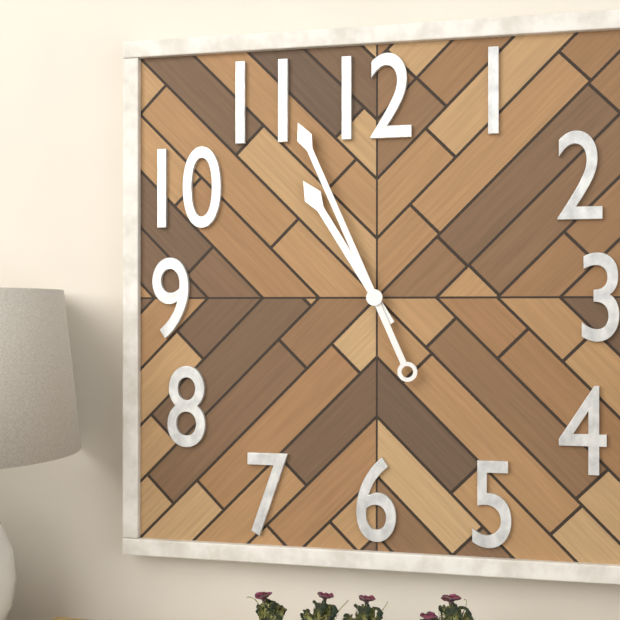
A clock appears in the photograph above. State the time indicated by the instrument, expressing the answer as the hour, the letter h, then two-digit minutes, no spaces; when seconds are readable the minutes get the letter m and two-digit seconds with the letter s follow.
10h56
